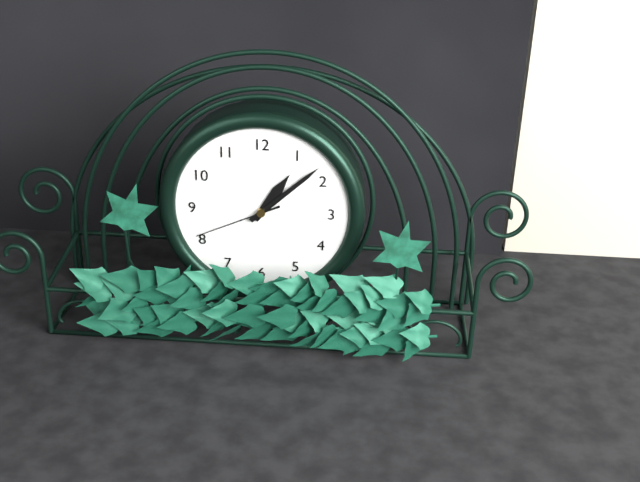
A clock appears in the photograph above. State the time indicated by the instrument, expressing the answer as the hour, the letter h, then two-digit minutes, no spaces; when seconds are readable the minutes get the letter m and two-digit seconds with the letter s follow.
1h08m41s
